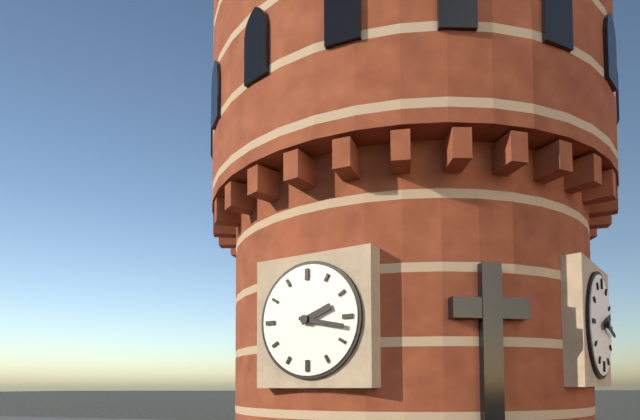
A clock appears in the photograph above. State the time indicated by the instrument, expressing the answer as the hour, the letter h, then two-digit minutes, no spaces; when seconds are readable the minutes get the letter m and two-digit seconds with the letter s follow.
2h17
